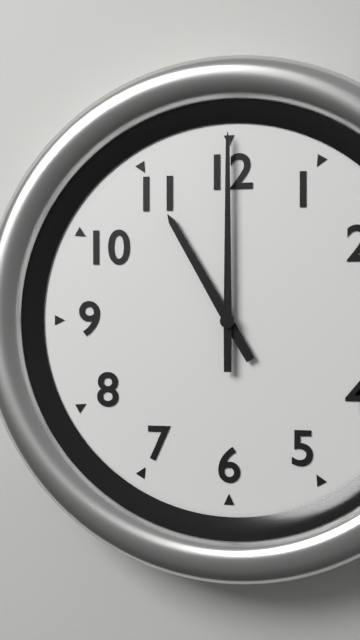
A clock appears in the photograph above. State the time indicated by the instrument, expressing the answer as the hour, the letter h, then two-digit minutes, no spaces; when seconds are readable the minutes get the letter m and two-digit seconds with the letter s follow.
11h00
